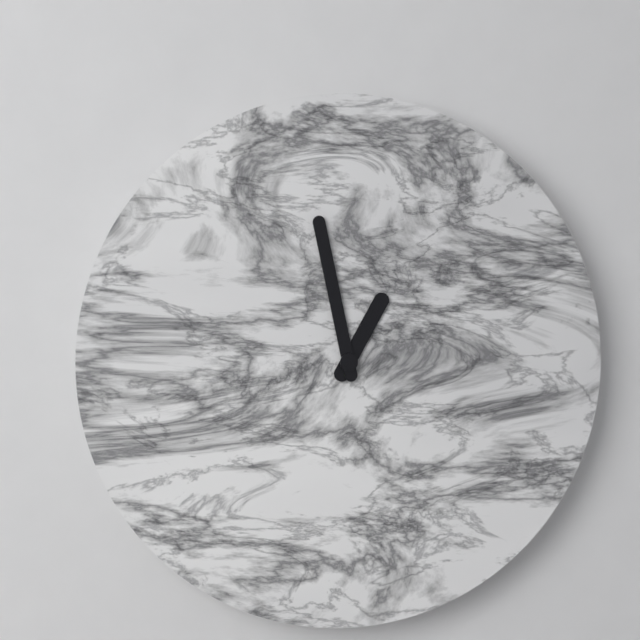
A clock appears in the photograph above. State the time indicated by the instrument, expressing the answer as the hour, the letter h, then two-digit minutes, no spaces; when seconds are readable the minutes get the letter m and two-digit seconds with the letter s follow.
12h58
